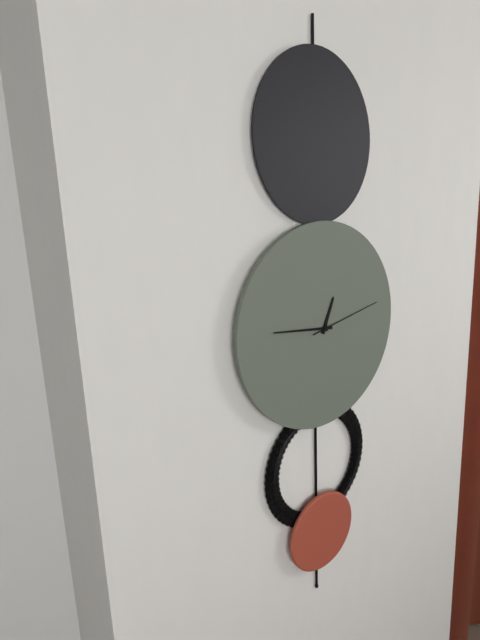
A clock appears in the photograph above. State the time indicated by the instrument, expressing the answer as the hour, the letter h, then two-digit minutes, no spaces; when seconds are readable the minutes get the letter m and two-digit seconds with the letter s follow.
12h46m13s
